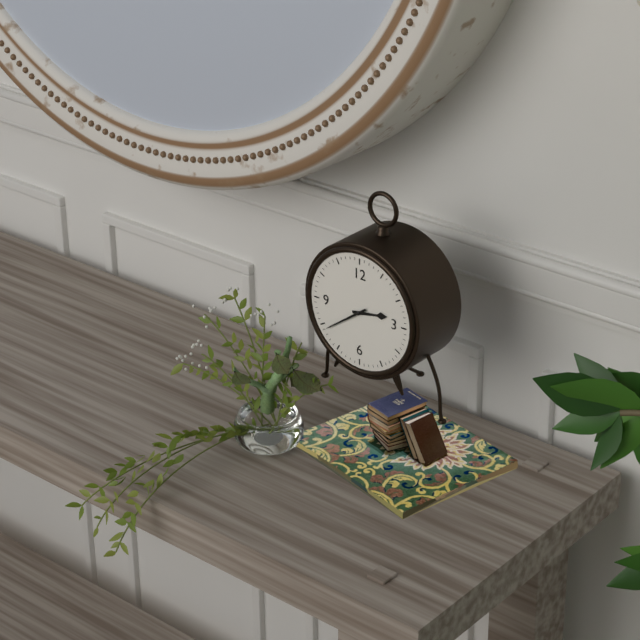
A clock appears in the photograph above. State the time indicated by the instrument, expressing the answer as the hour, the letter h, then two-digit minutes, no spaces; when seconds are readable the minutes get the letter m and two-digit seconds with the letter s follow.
2h39
